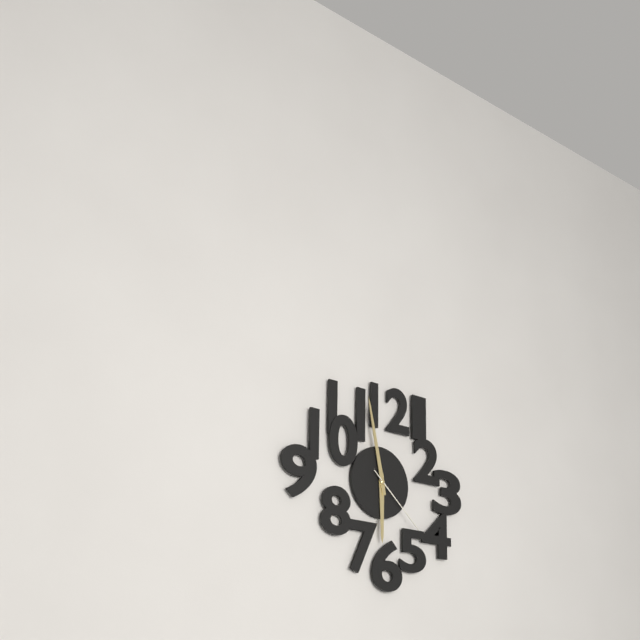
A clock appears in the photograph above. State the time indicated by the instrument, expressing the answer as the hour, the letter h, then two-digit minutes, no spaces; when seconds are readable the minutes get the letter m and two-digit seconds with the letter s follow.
5h58m22s
